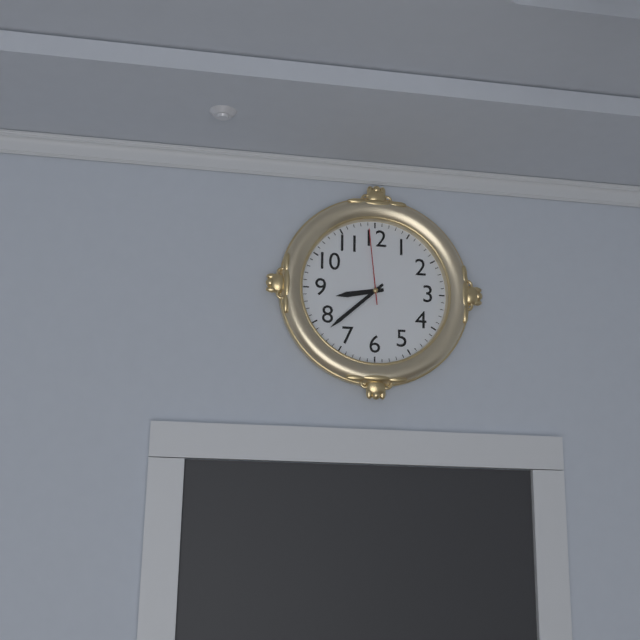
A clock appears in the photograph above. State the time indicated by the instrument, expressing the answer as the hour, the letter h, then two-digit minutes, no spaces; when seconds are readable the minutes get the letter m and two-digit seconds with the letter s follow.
8h38m59s
